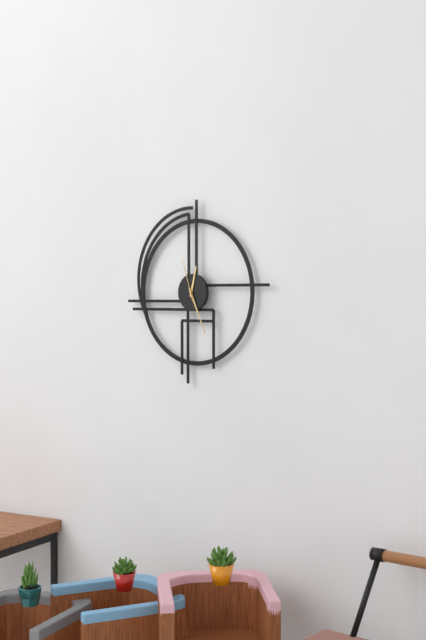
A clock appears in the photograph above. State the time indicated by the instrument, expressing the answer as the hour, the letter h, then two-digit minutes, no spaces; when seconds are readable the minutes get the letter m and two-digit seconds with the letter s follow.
12h26
